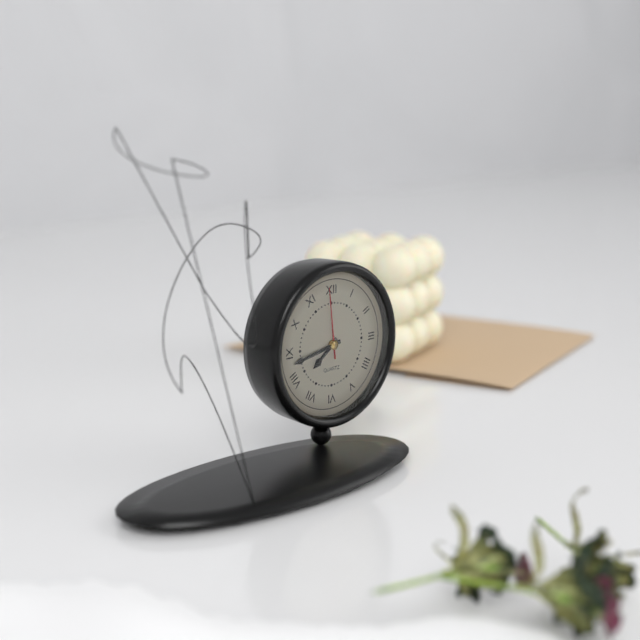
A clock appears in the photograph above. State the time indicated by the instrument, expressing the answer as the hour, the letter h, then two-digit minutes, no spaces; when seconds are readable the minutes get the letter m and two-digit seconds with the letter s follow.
7h43m59s
